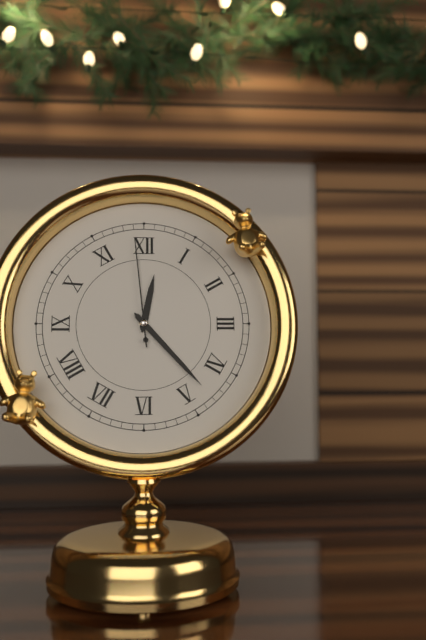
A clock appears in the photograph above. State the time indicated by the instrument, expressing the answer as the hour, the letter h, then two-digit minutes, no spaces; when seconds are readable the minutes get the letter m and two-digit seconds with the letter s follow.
12h23m59s
